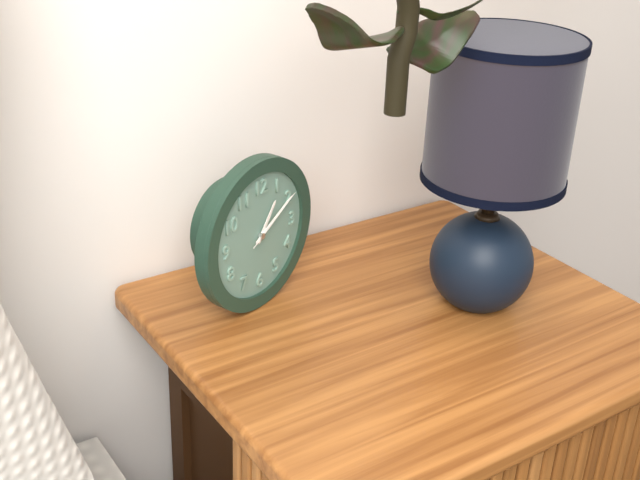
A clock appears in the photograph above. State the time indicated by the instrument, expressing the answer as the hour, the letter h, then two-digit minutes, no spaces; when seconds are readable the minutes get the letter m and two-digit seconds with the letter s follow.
1h10m10s
